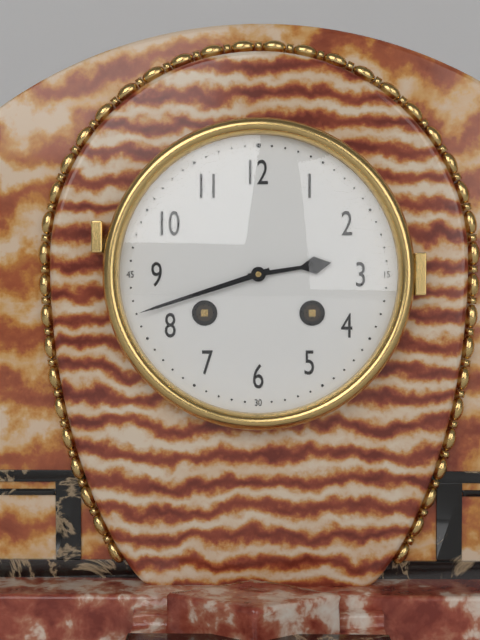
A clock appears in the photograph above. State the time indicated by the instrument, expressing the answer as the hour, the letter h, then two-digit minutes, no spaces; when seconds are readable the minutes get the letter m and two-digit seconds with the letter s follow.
2h42
